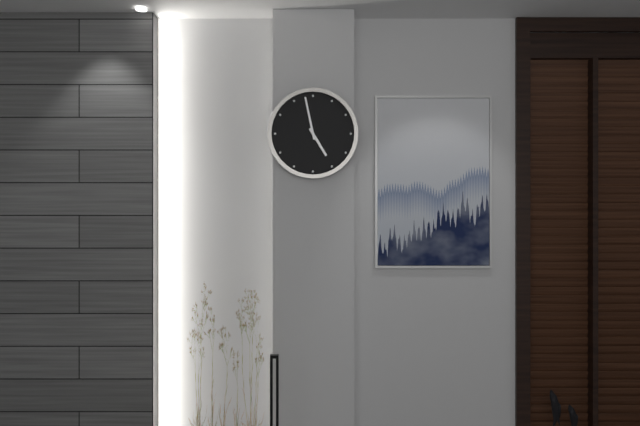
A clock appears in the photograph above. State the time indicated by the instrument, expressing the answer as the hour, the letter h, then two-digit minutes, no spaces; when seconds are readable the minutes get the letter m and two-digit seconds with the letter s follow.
4h58
